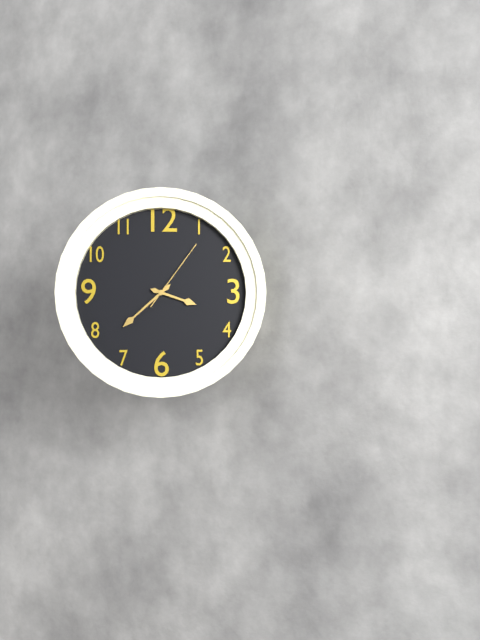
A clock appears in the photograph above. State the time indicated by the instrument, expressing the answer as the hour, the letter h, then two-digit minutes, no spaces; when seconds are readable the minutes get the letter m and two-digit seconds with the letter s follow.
3h38m06s
